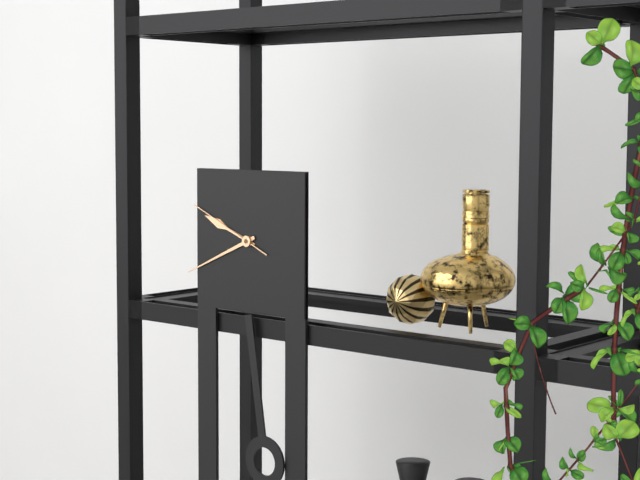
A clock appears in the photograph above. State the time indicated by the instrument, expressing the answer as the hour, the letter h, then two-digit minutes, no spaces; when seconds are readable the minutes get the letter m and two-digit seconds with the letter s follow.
9h41m49s
